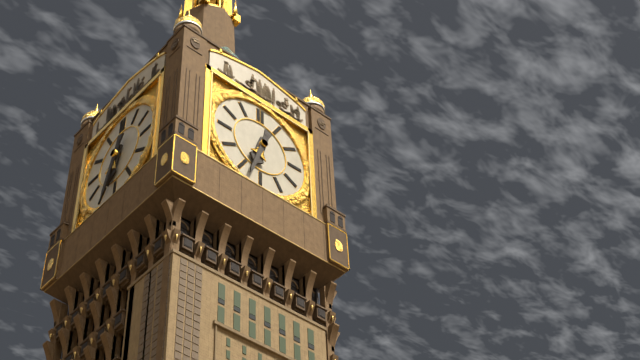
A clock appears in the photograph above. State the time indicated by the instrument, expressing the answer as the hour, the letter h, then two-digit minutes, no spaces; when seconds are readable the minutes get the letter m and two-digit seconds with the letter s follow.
6h33
